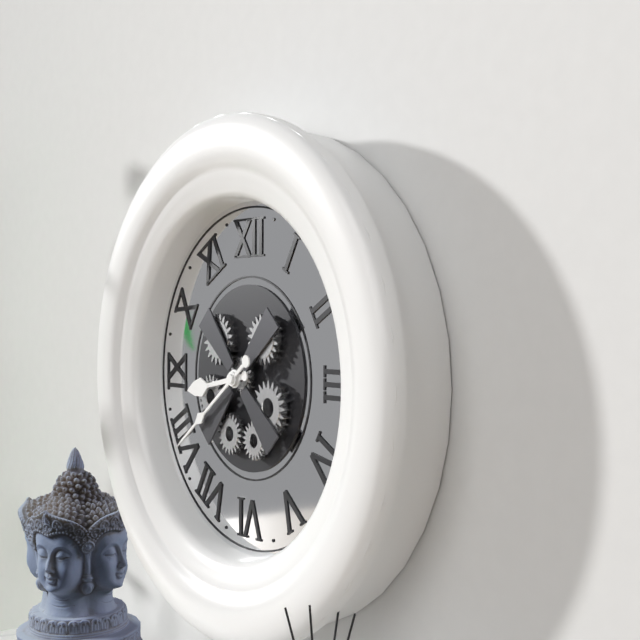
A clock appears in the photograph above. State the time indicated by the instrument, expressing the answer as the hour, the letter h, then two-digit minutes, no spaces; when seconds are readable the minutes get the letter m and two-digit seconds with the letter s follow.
8h39
